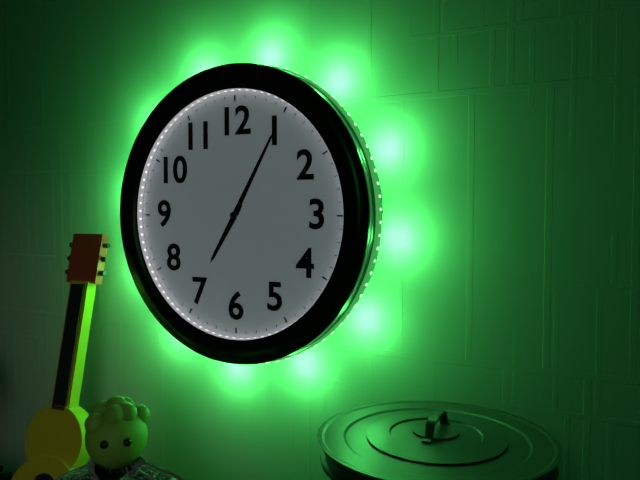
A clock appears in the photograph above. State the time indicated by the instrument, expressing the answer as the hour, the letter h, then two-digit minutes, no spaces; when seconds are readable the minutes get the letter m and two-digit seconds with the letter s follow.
7h05m05s
